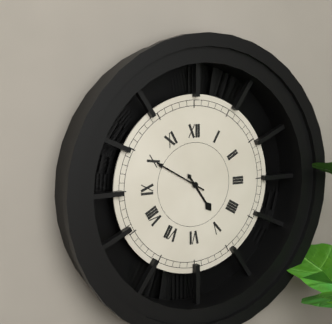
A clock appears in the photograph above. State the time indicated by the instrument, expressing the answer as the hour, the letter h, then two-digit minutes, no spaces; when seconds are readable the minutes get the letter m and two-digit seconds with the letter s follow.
4h50
